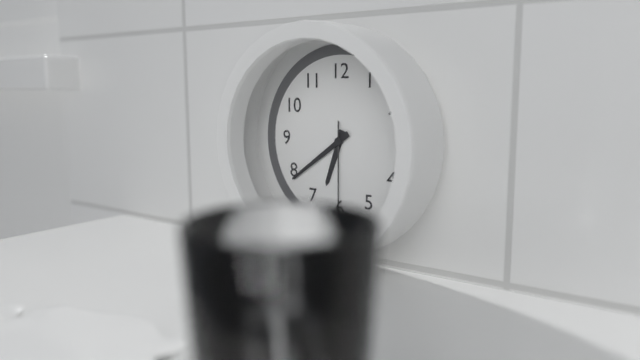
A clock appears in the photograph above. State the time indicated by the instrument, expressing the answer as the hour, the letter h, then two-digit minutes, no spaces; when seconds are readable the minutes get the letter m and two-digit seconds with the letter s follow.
6h39m30s
